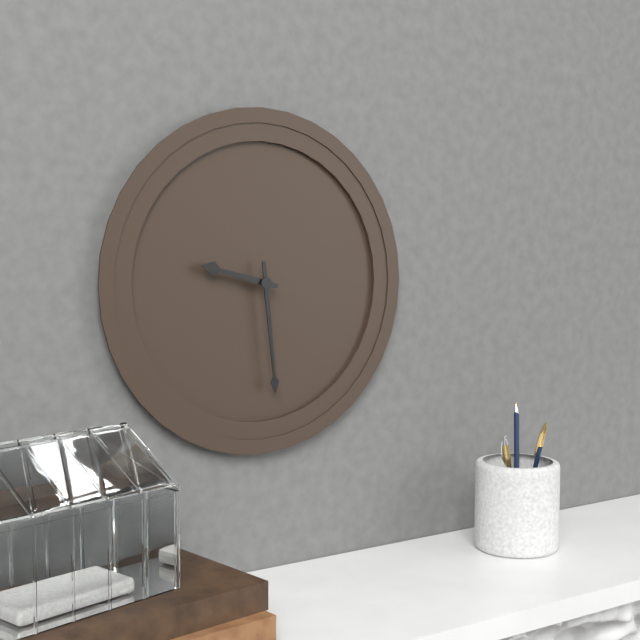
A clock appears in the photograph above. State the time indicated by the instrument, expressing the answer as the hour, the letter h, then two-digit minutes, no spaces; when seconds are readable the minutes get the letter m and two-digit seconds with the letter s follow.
9h29
